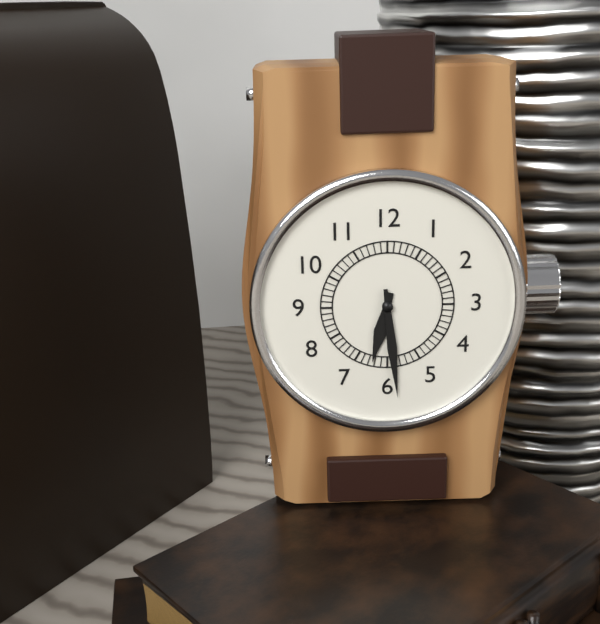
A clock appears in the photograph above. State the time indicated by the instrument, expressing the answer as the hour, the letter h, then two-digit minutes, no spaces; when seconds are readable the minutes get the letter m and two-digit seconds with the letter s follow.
6h29
